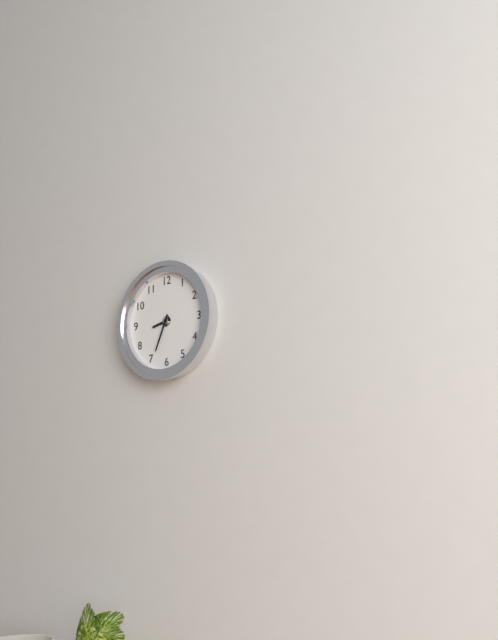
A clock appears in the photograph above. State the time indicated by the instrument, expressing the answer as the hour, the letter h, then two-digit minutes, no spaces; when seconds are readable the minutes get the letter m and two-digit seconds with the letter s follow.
8h34
